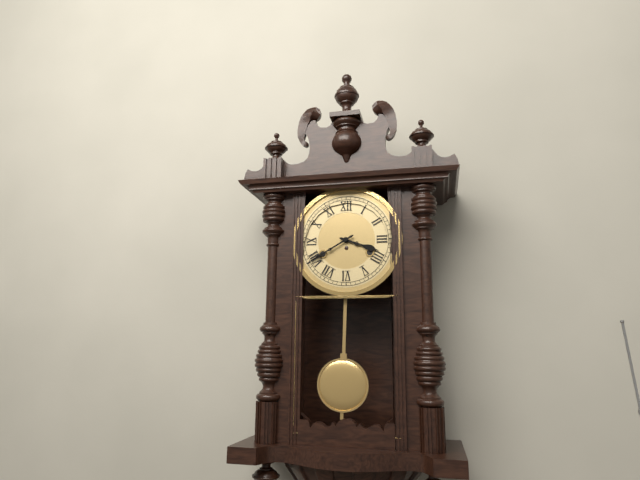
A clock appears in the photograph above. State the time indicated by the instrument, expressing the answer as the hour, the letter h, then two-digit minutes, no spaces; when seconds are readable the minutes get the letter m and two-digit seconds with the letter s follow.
3h40
